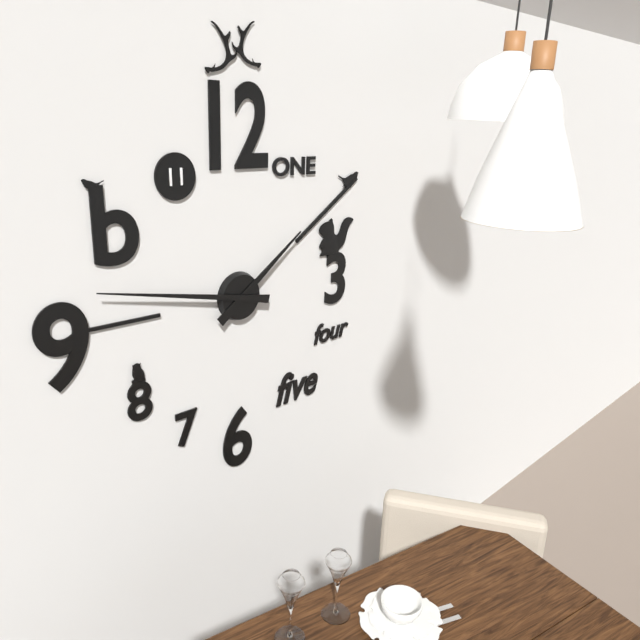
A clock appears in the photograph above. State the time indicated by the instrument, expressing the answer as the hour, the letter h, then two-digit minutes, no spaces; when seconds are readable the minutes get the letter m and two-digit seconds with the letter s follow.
1h47
